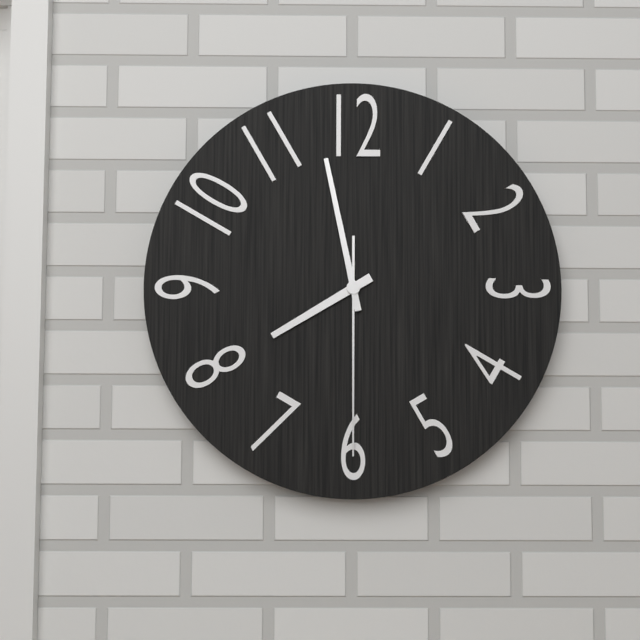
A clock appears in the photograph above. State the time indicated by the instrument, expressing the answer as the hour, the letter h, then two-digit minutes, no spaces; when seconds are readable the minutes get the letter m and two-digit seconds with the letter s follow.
7h58m30s
